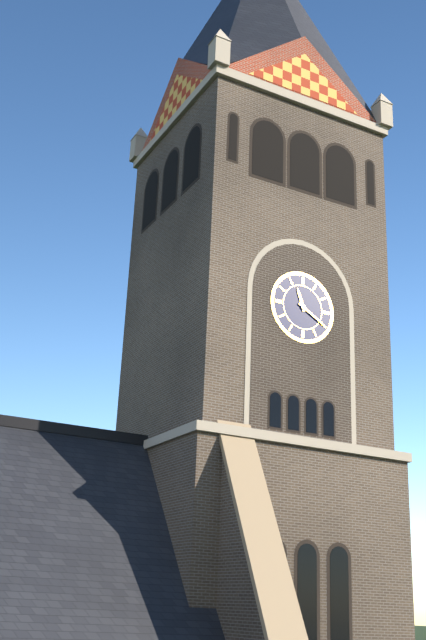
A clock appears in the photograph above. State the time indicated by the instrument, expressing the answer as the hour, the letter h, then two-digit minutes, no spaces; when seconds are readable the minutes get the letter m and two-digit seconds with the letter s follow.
11h20
